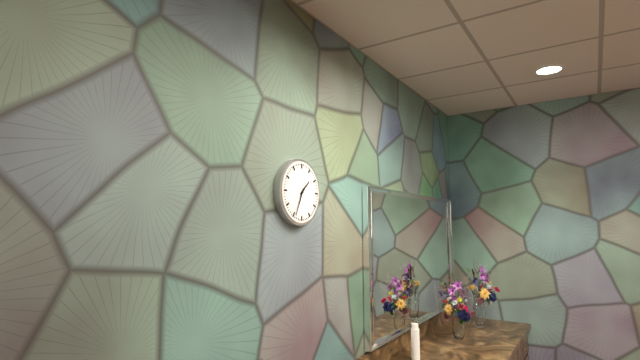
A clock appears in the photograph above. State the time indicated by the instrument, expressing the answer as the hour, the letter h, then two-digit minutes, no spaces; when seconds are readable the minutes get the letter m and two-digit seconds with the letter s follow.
1h34
